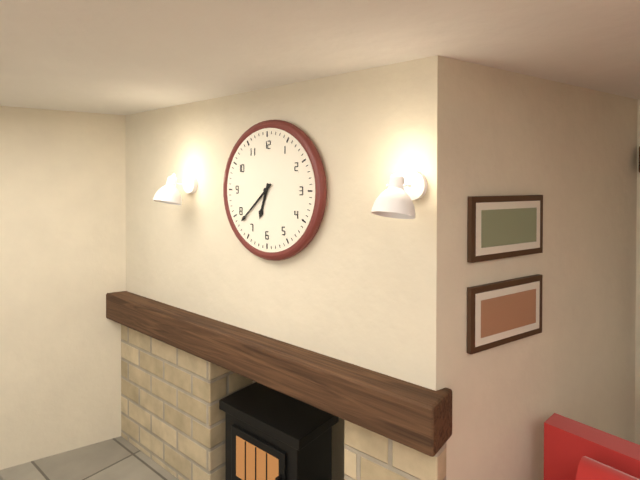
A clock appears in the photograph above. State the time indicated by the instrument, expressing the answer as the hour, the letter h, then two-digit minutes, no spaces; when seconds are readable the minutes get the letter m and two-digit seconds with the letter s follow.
6h38
